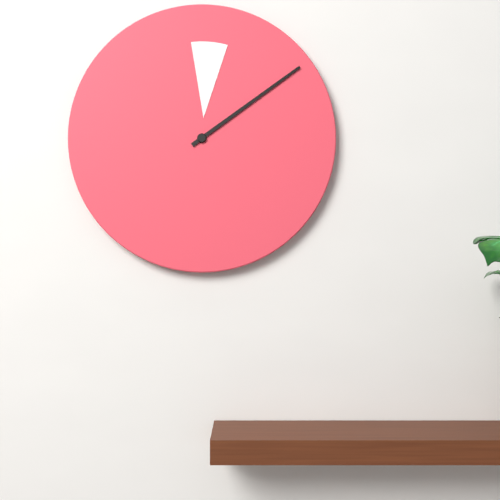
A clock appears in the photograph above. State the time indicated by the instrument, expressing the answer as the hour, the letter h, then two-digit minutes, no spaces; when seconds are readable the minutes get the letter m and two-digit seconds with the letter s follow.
12h09
